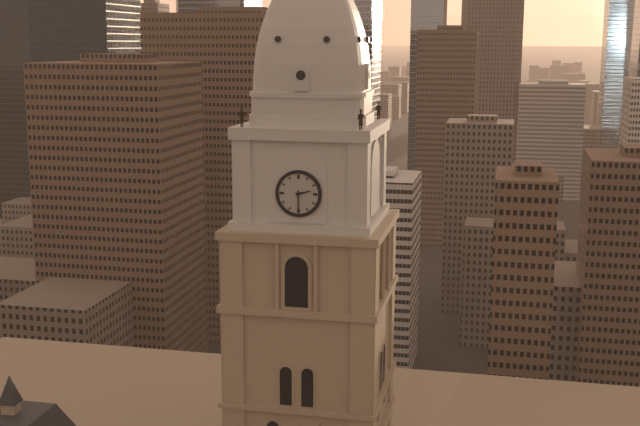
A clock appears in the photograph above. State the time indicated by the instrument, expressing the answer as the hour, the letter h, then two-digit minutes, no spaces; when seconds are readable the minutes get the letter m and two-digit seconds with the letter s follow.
2h30
